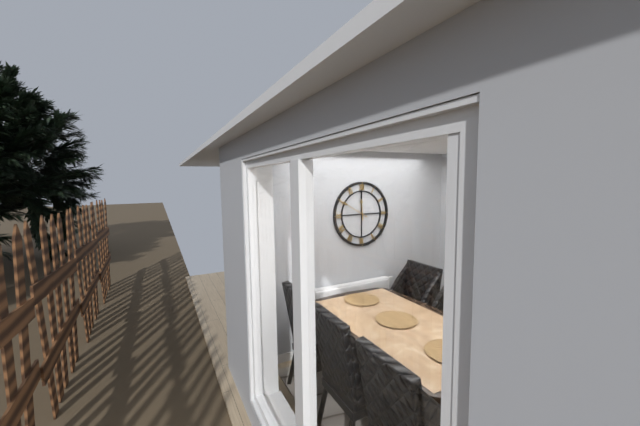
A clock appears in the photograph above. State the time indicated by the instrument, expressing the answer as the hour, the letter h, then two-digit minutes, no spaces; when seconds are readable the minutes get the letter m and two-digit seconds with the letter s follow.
11h50
